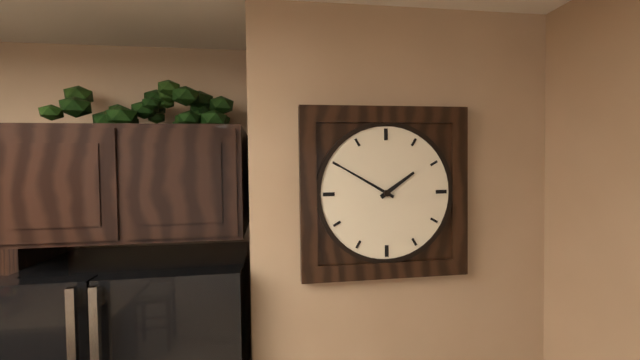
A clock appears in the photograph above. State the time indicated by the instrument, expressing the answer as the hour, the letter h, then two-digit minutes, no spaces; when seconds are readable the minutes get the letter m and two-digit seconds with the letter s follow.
1h50
